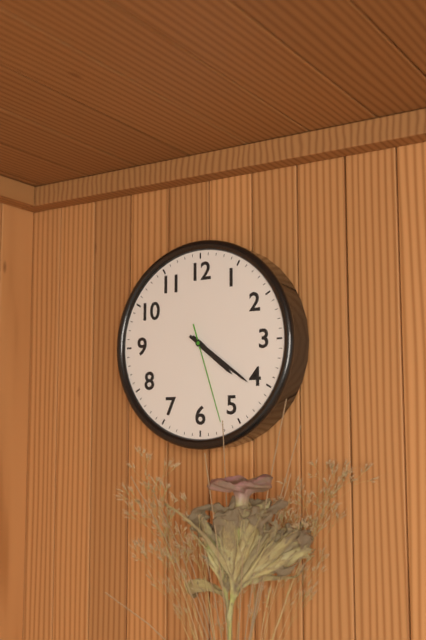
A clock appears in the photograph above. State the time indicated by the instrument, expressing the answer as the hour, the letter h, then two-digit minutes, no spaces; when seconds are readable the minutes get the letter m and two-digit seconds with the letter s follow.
4h21m27s
